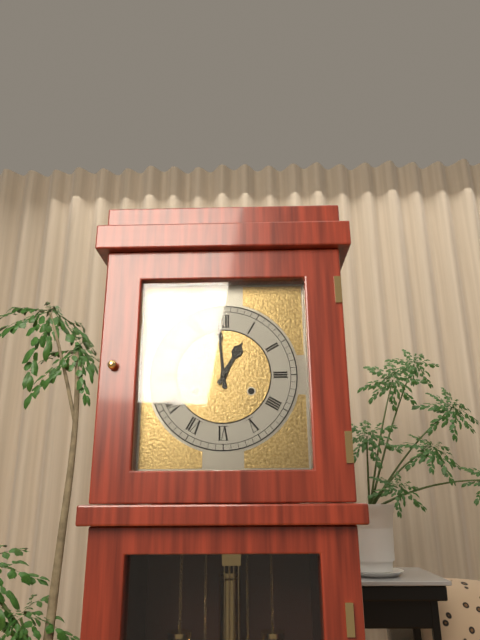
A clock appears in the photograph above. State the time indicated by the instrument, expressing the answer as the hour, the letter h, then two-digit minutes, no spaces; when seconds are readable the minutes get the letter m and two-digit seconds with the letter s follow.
12h59
